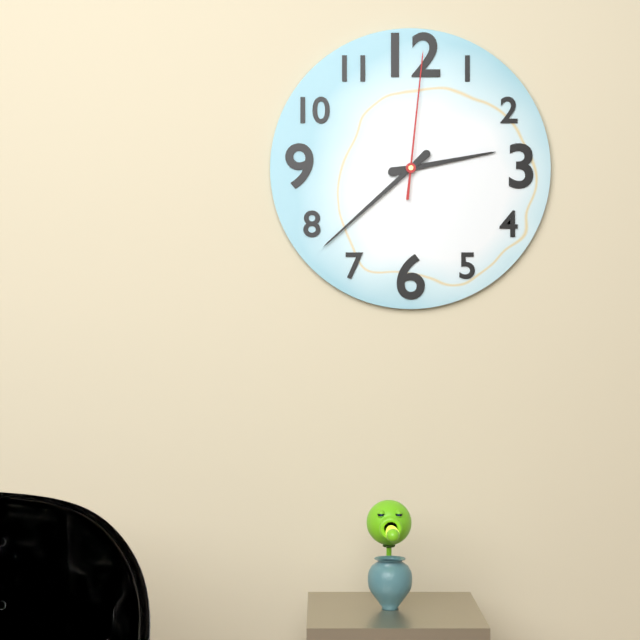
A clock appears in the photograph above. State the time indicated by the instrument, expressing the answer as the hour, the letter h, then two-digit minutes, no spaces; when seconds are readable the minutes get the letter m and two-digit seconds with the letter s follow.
2h38m01s
